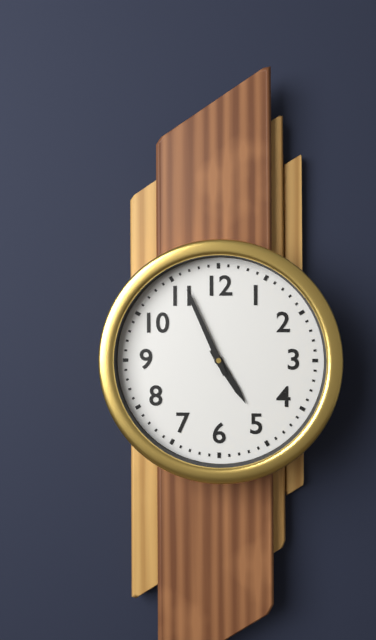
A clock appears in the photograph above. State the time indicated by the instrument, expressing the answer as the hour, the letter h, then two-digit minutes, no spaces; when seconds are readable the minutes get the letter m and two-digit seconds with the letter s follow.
4h56
